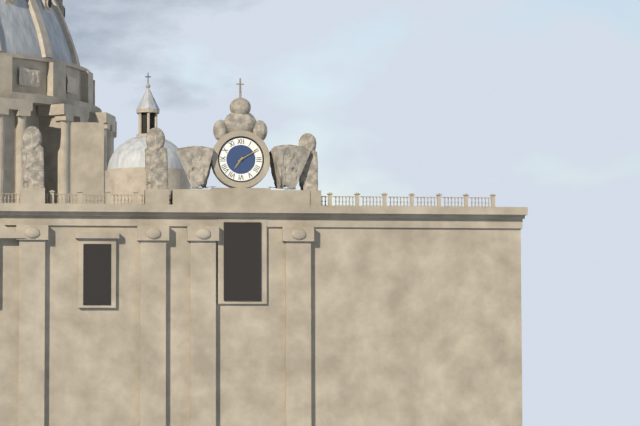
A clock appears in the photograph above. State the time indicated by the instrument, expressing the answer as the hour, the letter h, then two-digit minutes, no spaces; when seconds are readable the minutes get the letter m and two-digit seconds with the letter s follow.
7h10
